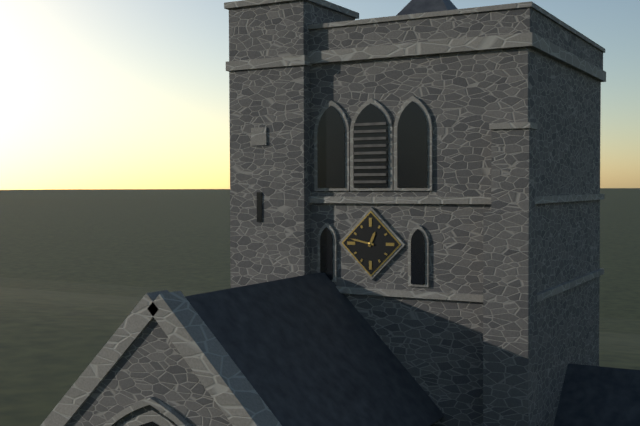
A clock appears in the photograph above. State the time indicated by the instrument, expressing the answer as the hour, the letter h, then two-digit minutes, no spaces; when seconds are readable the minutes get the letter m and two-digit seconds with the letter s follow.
12h47
